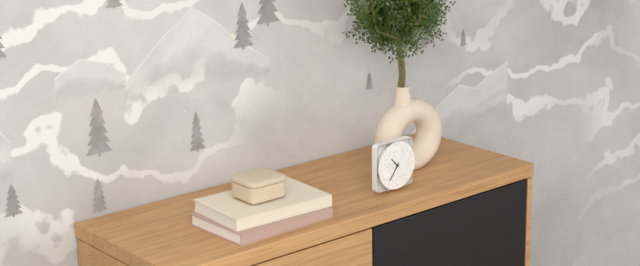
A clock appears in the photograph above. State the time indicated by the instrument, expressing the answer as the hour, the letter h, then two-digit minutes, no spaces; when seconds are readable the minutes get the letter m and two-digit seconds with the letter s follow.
10h36
